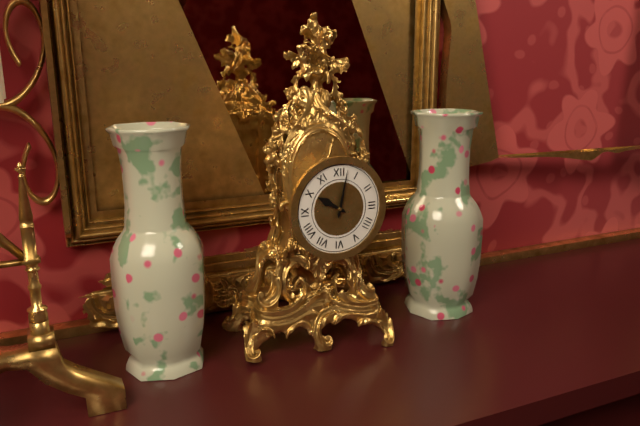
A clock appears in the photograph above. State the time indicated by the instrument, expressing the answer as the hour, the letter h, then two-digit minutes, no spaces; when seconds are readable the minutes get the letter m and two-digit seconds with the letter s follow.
10h02
